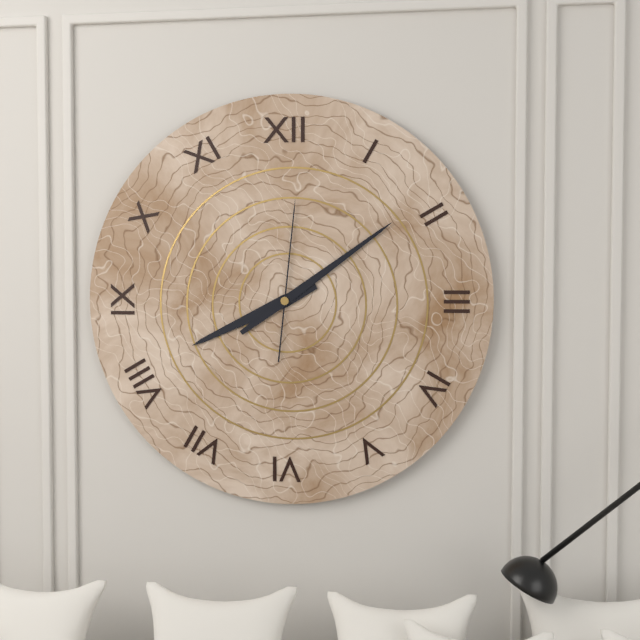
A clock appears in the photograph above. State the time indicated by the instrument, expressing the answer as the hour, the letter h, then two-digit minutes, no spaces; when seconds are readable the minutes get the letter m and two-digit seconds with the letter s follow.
8h09m01s
